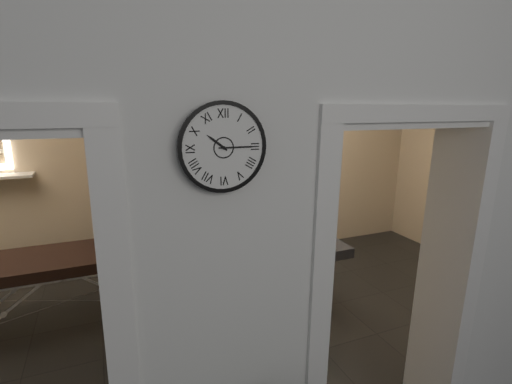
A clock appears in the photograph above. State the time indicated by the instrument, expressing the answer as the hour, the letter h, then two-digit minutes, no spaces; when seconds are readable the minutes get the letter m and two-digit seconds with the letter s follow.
10h15
